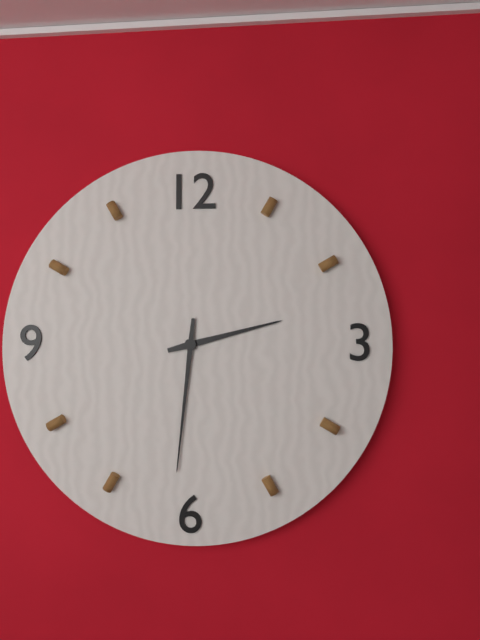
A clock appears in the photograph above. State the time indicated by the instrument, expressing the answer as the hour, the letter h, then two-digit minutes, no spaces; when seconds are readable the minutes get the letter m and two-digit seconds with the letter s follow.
2h31
